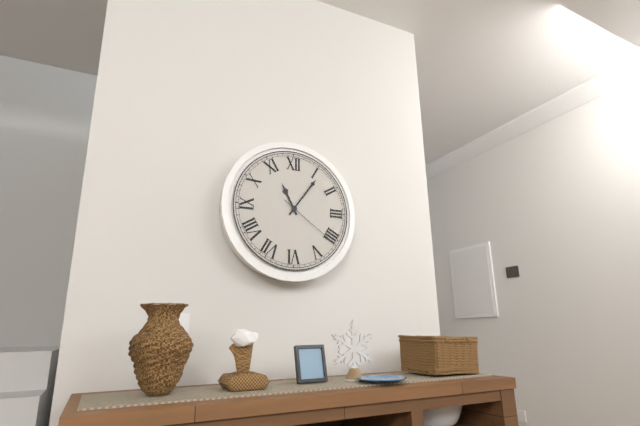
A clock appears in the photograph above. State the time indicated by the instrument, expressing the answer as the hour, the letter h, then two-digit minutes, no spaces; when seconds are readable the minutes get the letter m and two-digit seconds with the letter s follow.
11h06m21s
